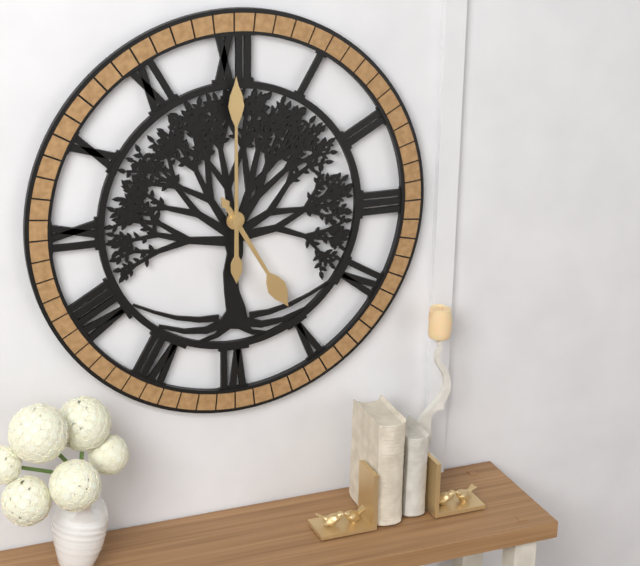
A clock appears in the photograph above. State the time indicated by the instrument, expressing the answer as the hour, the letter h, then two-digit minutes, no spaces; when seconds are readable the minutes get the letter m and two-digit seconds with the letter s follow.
5h00
